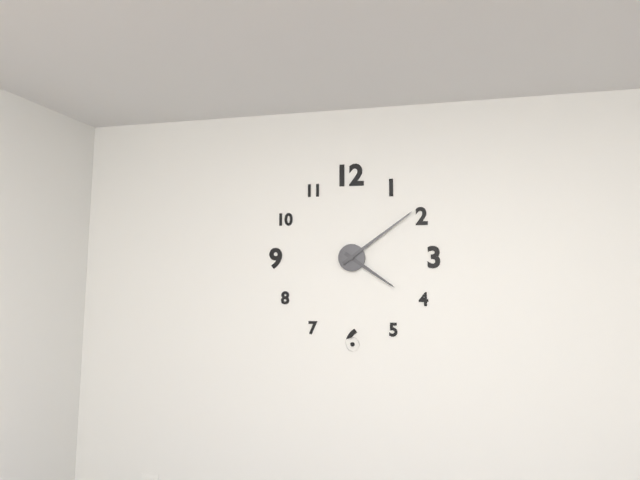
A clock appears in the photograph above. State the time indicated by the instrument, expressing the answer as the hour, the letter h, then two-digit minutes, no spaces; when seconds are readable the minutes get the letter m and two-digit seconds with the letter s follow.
4h09
